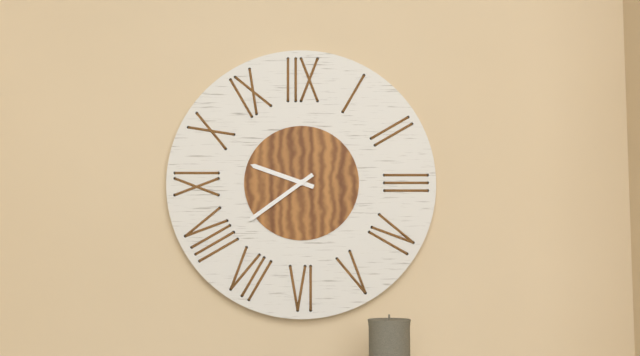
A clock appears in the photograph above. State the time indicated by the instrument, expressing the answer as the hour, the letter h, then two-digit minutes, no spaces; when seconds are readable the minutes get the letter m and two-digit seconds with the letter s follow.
9h39
